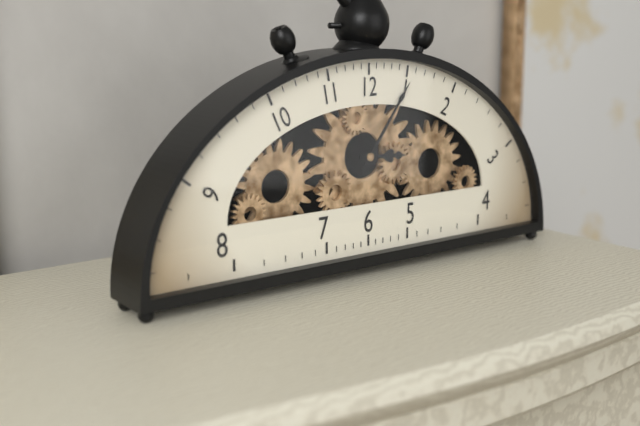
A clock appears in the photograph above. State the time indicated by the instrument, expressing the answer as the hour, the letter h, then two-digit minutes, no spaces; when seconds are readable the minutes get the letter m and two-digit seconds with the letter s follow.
3h06
